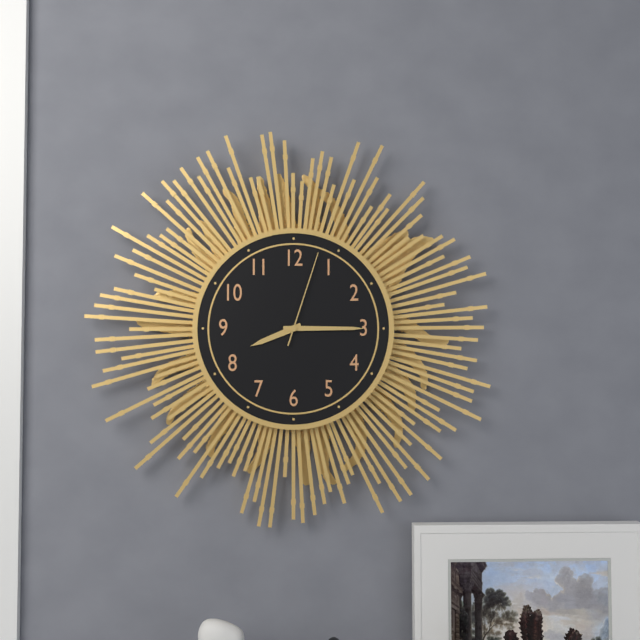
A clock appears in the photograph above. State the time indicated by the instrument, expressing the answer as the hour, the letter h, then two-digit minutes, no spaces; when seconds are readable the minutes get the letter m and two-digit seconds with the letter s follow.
8h15m03s
